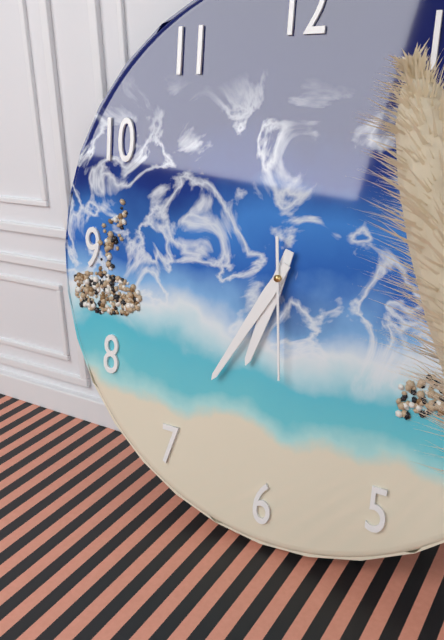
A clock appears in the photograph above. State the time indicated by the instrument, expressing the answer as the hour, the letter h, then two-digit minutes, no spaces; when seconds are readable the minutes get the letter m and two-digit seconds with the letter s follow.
6h35m29s
